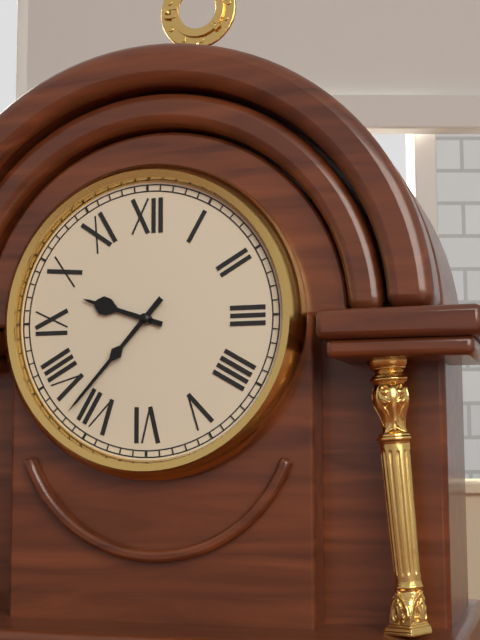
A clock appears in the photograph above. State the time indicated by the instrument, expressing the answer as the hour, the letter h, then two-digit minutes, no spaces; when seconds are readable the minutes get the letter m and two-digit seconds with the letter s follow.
9h37
